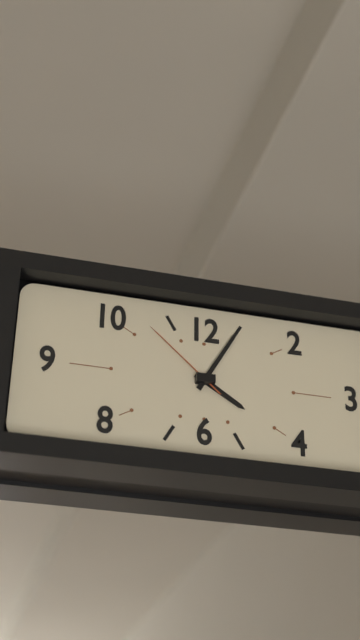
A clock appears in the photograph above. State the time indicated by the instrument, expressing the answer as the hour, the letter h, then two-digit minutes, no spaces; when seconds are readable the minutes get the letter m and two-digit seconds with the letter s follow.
4h05m52s
